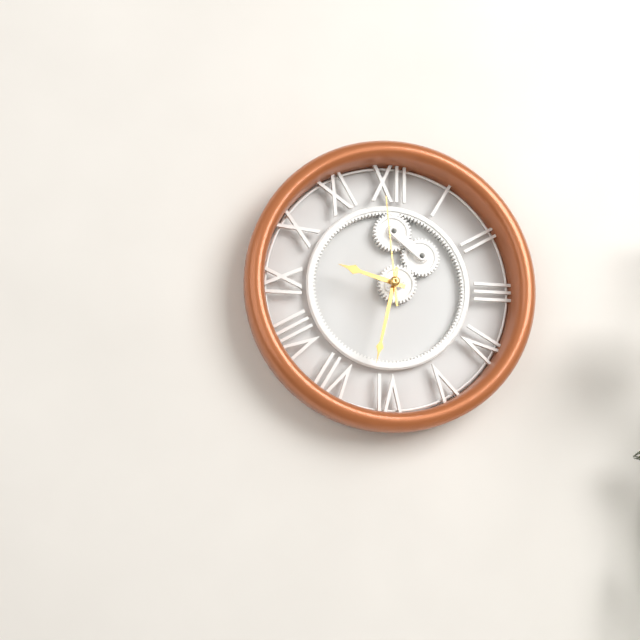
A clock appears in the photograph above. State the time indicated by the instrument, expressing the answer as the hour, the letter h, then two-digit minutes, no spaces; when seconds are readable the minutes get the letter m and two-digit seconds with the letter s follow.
9h32m59s
